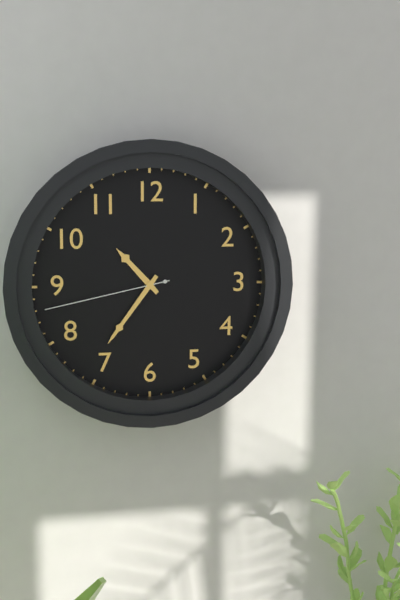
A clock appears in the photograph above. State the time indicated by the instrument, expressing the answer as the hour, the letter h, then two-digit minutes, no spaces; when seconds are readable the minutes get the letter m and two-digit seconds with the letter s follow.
10h36m43s
